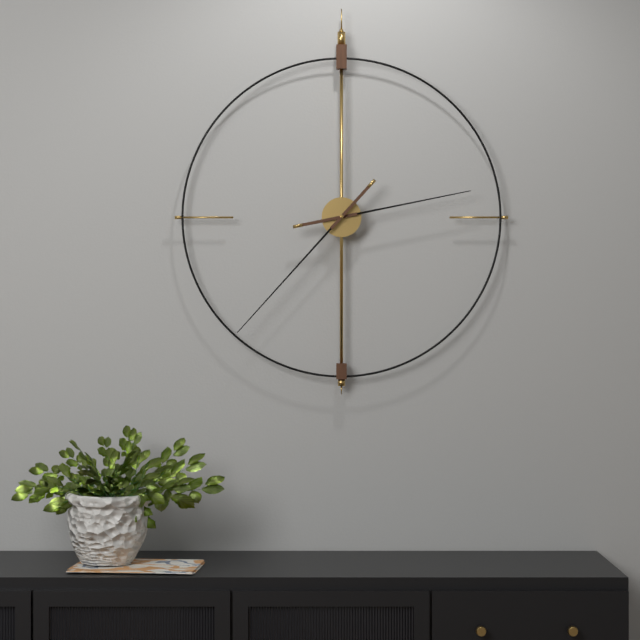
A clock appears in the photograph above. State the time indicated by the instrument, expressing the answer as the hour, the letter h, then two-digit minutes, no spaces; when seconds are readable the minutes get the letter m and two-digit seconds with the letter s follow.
2h37
